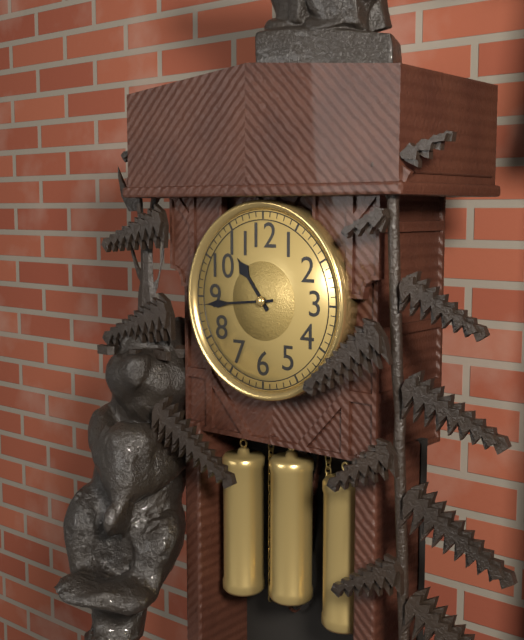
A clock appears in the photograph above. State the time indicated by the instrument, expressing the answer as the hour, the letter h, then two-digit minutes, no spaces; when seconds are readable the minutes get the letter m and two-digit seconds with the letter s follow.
10h44
